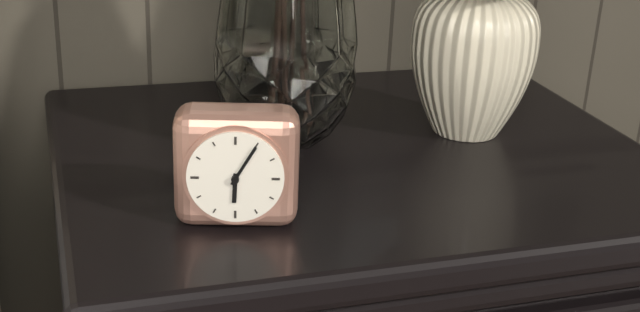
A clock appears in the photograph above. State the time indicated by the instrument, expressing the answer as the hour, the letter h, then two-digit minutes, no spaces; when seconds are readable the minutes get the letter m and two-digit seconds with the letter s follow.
6h05
